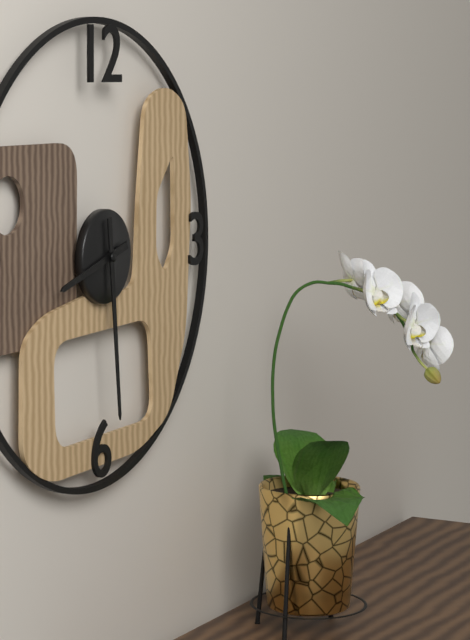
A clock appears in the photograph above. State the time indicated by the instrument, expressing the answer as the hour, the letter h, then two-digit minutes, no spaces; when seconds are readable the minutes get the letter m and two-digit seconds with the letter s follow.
8h29
